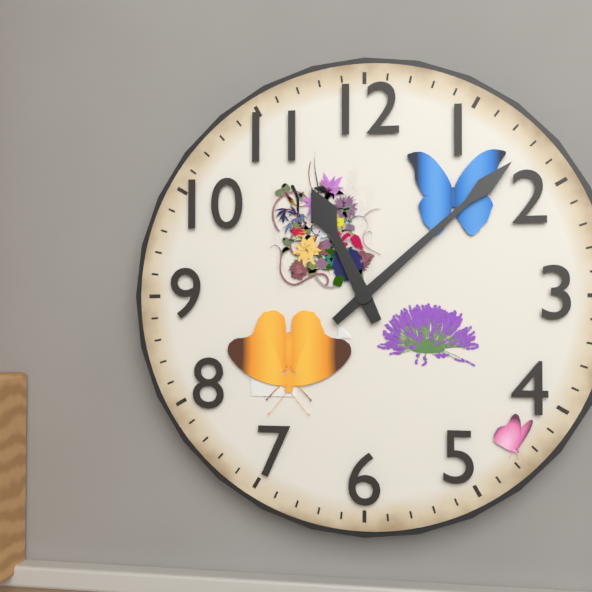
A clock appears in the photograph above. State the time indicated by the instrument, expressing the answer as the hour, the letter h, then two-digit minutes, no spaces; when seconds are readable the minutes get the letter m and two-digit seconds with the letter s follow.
11h08
